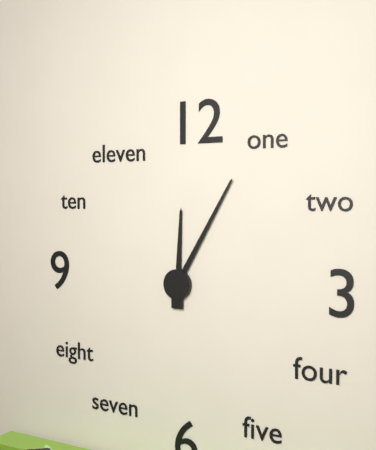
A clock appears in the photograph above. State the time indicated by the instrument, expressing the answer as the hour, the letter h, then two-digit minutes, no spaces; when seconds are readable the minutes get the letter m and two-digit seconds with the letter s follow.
12h05
